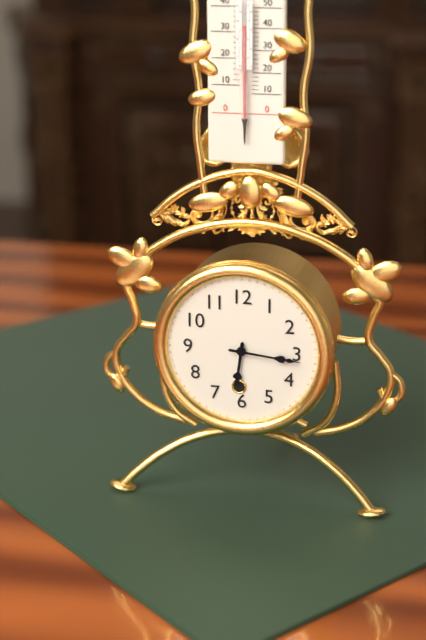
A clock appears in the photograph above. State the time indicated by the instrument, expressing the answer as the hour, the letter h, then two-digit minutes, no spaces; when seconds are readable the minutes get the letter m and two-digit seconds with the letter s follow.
6h16
